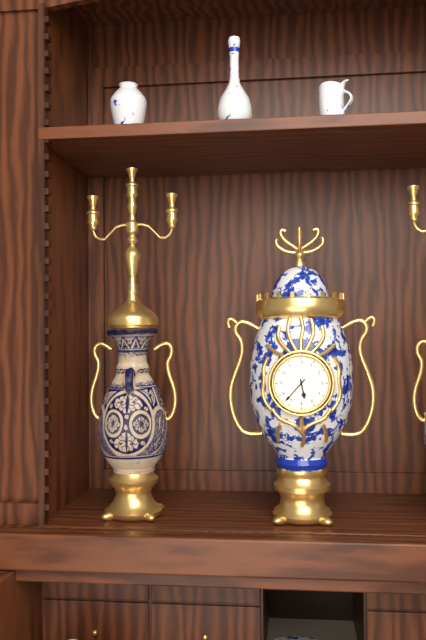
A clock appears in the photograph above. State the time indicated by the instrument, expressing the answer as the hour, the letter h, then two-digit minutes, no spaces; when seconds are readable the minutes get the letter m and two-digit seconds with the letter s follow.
5h37
